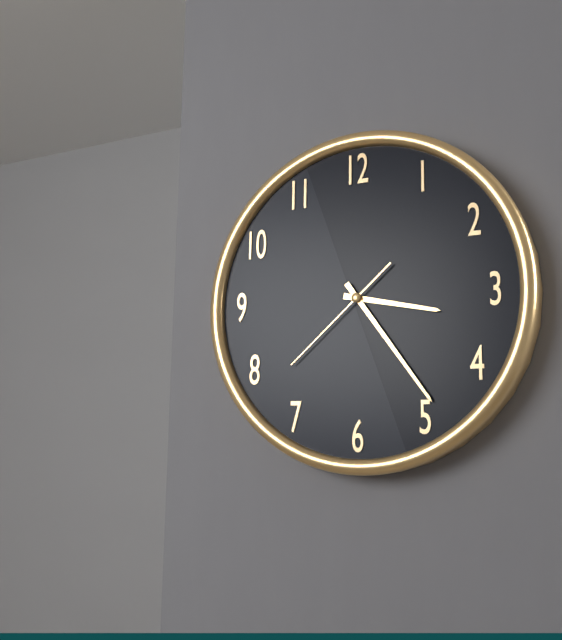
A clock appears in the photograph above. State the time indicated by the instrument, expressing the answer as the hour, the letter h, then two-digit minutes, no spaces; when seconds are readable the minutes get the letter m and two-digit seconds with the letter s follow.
3h24m38s
